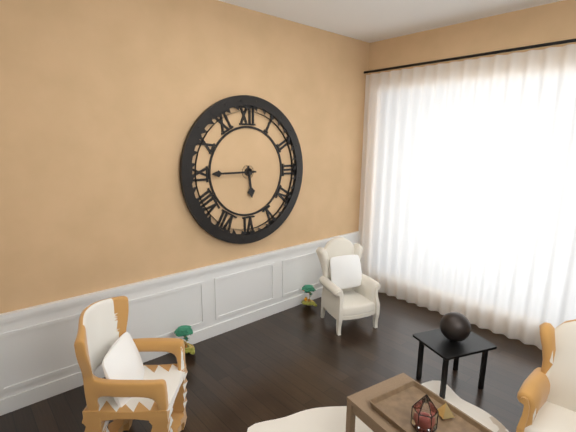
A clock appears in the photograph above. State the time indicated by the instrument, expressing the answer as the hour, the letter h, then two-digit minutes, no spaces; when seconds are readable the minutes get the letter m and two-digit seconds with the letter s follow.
5h45
